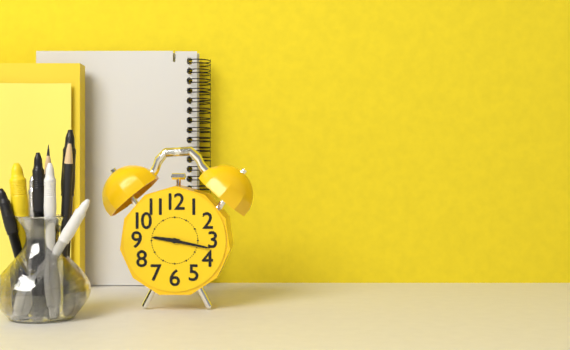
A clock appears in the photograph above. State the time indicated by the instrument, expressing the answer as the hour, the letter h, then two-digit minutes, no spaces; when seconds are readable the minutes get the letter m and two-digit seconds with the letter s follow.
9h17
